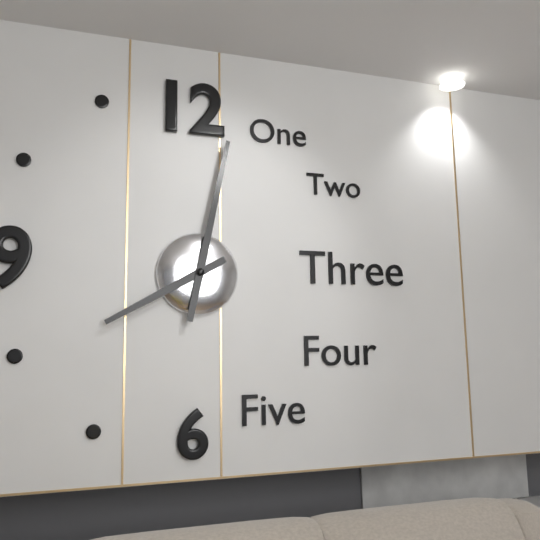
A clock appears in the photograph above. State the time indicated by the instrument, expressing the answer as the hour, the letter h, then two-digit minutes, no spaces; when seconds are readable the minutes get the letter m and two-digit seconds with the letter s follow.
8h02
